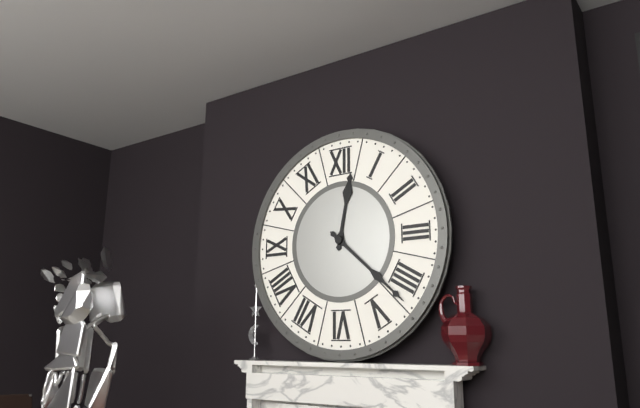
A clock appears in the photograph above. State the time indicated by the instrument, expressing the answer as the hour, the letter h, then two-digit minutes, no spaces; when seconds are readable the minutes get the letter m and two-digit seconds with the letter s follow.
12h22
